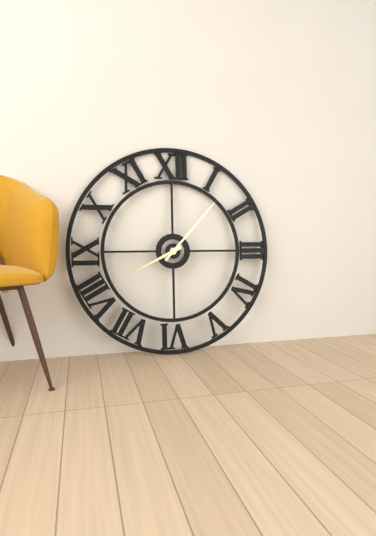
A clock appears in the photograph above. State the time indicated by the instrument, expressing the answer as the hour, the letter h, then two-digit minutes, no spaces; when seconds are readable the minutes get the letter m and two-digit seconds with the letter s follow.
8h07
